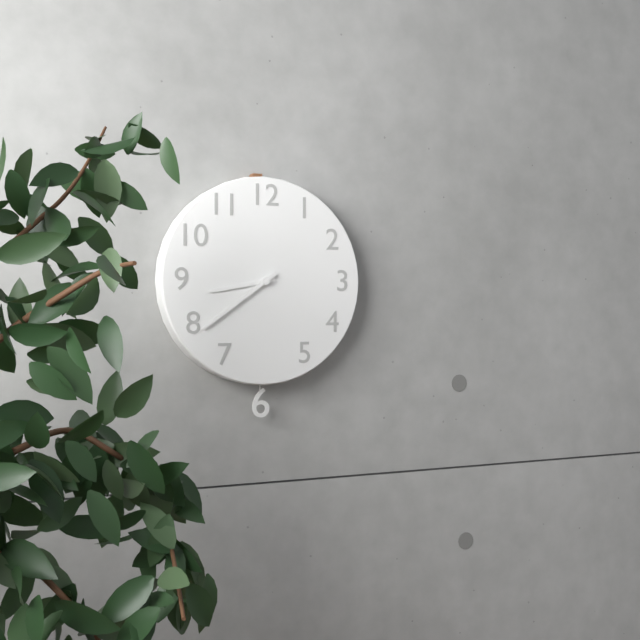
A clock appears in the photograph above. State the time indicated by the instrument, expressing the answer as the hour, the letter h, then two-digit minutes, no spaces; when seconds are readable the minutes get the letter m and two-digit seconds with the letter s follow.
8h39
